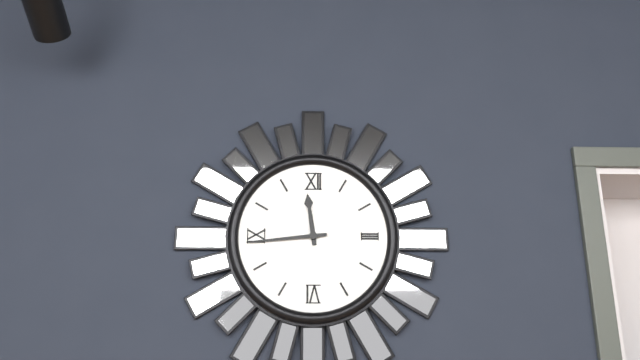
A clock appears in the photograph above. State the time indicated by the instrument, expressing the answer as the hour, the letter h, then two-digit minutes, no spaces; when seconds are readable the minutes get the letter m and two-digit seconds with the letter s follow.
11h44
